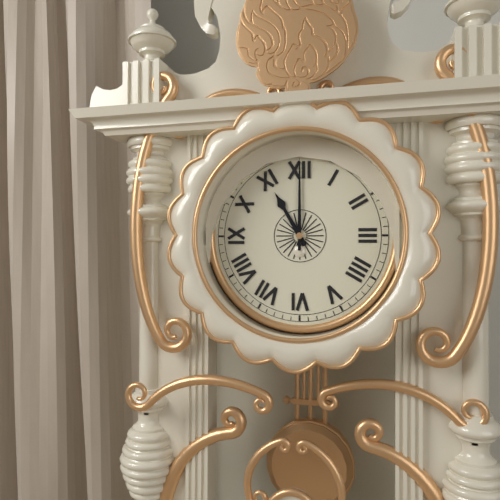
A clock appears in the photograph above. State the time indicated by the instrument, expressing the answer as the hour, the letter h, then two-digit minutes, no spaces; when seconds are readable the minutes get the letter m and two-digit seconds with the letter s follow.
11h00
